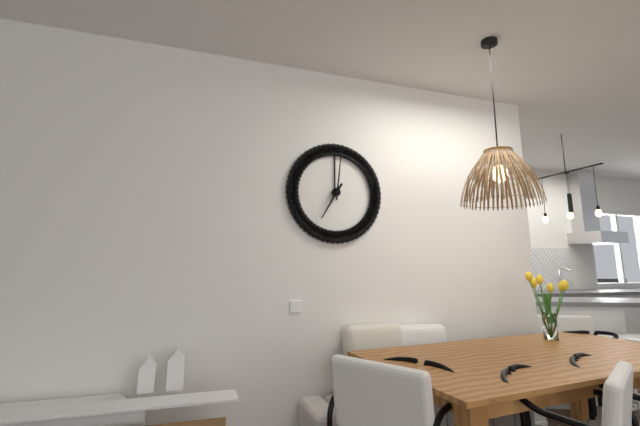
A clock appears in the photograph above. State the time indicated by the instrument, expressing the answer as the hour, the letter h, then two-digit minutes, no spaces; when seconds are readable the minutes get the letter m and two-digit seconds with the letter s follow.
7h01
